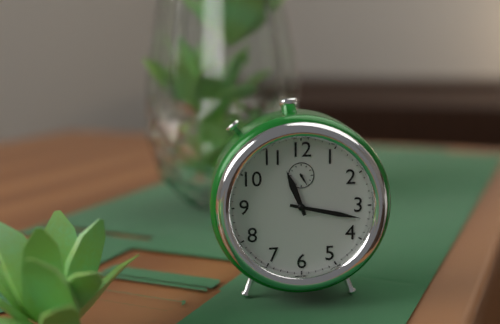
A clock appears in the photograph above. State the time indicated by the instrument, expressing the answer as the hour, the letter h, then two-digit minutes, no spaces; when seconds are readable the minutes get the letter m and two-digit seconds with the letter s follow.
11h17
